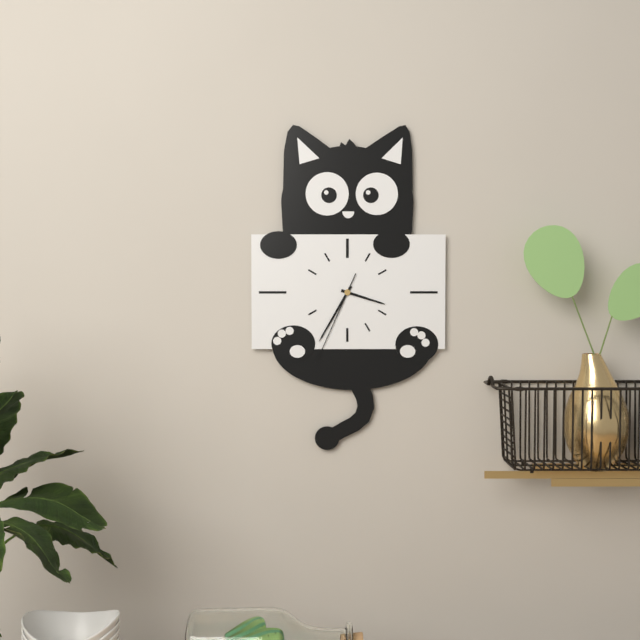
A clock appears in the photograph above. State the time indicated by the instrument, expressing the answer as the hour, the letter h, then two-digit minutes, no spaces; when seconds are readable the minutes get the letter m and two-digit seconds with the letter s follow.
3h35m34s
